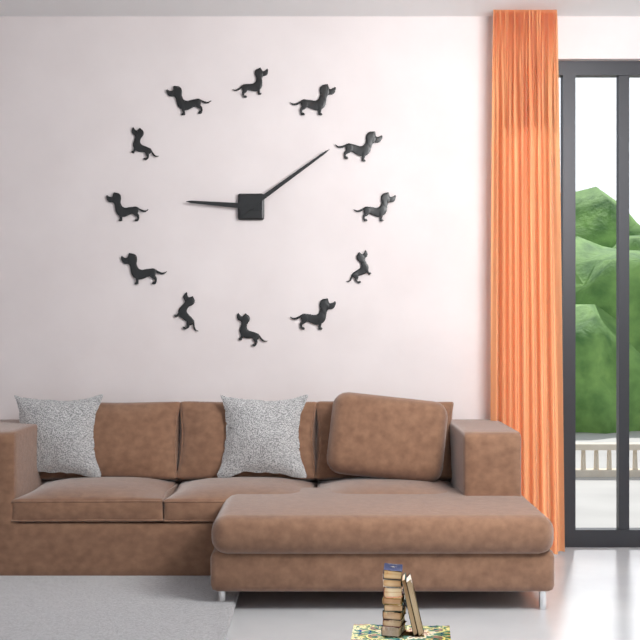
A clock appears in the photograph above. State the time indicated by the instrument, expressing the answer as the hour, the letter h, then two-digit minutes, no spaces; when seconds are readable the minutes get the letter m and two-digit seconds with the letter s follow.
9h09
